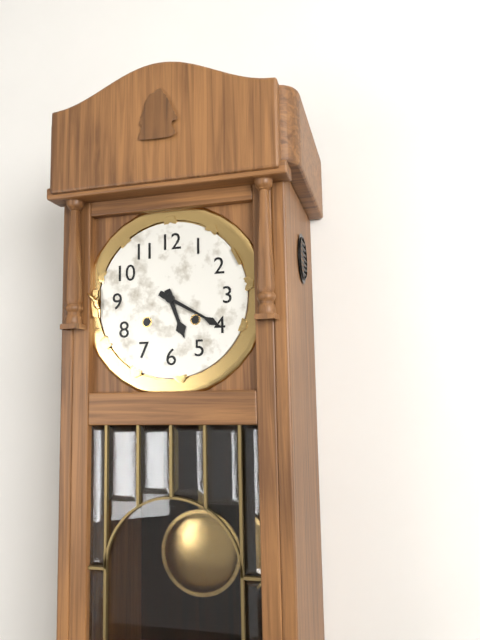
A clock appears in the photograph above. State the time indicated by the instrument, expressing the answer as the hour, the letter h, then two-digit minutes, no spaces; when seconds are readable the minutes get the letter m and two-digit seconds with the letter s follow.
5h20
